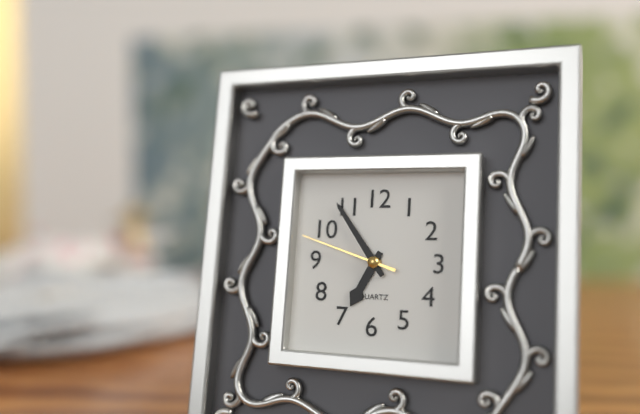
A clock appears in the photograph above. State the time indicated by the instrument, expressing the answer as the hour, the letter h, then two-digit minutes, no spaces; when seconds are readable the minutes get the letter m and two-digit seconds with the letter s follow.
6h54m48s
